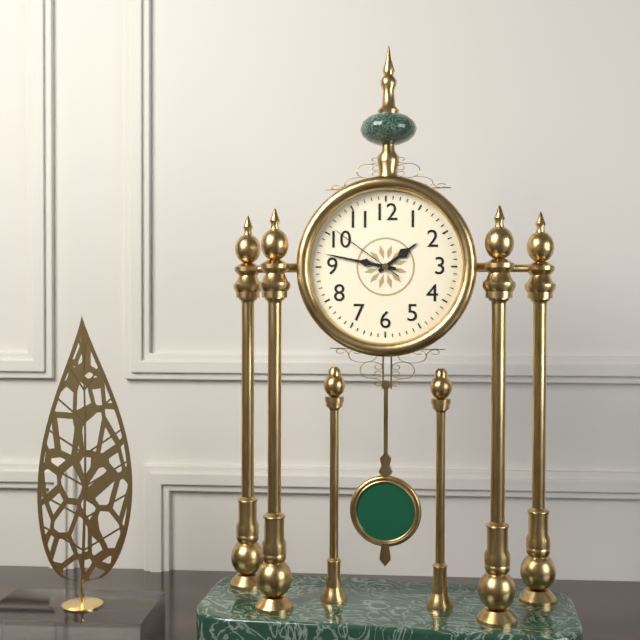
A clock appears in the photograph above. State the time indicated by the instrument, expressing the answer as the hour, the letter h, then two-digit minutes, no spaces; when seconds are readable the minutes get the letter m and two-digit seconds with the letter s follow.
1h47m51s
